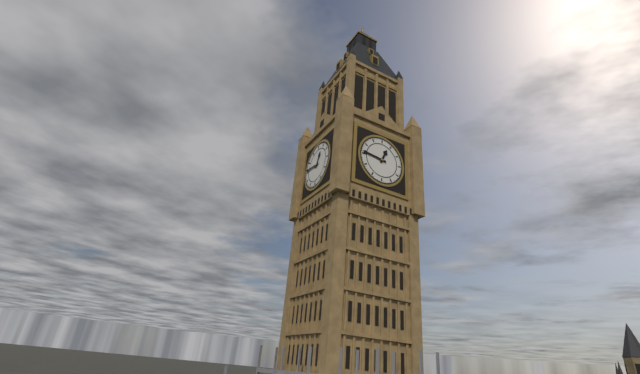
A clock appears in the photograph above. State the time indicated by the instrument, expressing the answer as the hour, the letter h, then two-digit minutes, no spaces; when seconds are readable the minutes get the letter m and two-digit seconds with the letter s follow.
12h46
